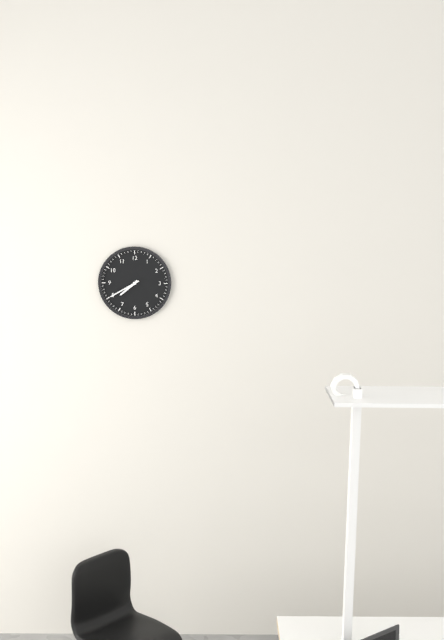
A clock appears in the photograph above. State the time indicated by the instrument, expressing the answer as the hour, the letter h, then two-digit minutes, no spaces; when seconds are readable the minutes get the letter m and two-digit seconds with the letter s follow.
7h40
